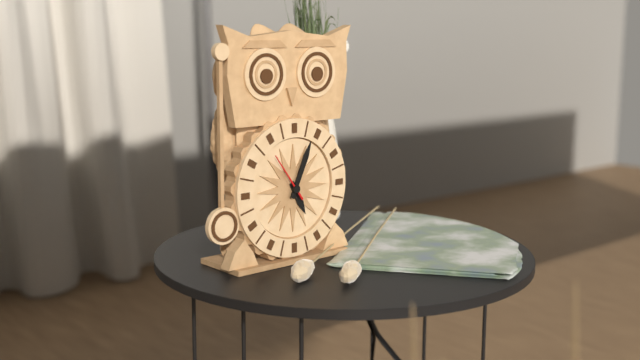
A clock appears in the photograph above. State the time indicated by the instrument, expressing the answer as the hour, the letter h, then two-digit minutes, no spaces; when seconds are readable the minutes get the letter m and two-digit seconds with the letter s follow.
5h04
